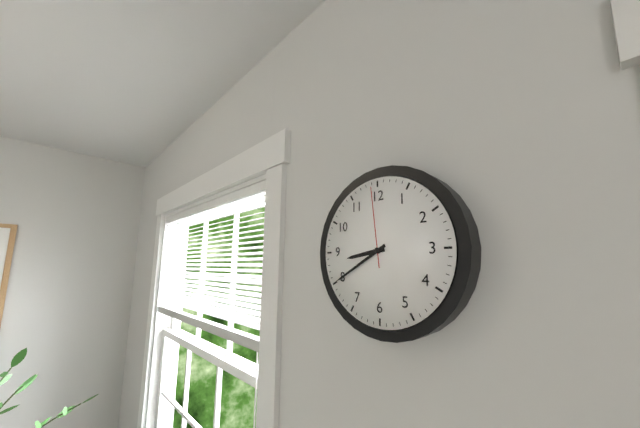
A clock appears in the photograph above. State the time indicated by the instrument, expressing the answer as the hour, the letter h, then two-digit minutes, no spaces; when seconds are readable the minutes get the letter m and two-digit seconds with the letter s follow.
8h40m59s
